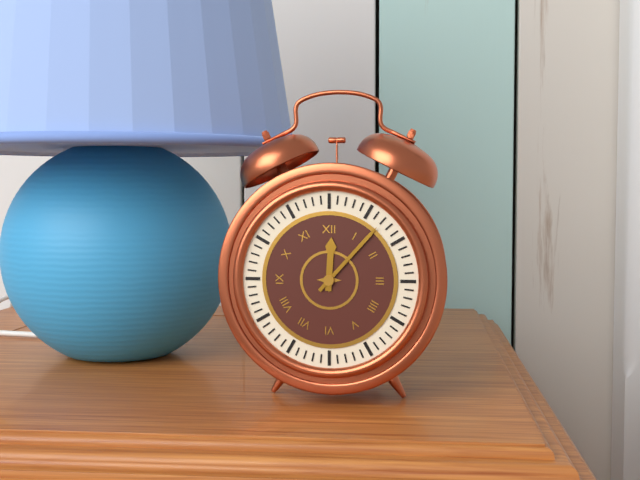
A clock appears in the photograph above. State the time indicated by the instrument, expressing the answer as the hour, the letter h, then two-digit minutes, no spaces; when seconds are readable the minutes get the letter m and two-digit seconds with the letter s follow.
12h07
